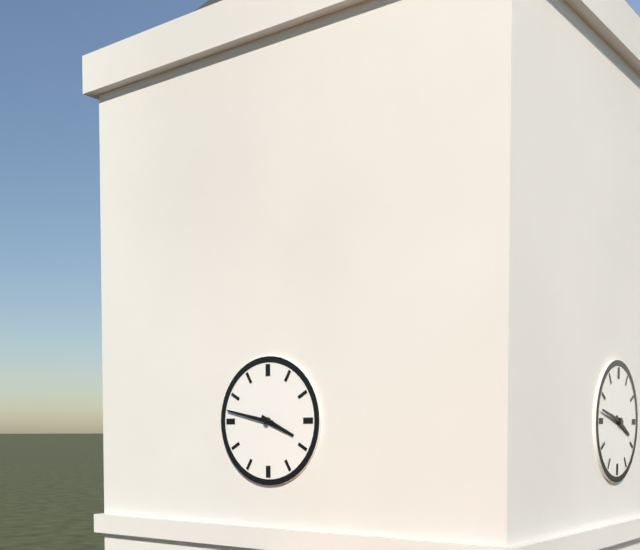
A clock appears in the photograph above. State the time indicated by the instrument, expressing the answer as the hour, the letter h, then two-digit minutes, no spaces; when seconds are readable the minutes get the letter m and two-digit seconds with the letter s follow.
3h47
